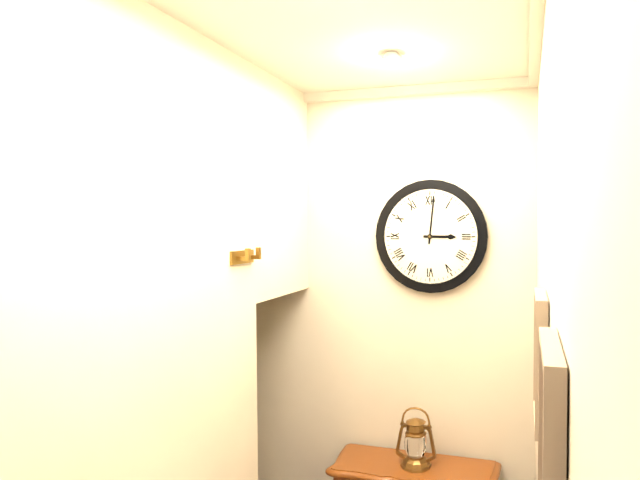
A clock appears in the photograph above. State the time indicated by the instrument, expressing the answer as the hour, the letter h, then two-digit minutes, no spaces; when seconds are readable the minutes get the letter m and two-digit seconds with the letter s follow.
3h01
